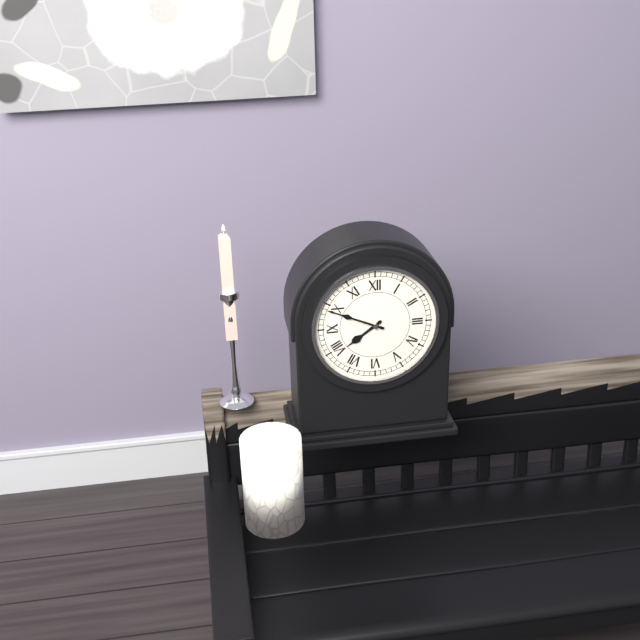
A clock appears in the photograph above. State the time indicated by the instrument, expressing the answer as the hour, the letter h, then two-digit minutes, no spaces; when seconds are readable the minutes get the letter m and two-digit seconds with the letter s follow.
7h49
